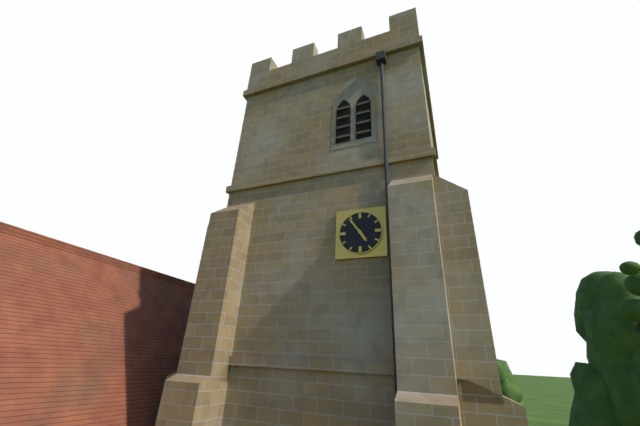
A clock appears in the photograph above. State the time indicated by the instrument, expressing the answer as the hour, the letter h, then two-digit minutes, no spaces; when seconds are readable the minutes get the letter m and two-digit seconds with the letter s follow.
4h54
